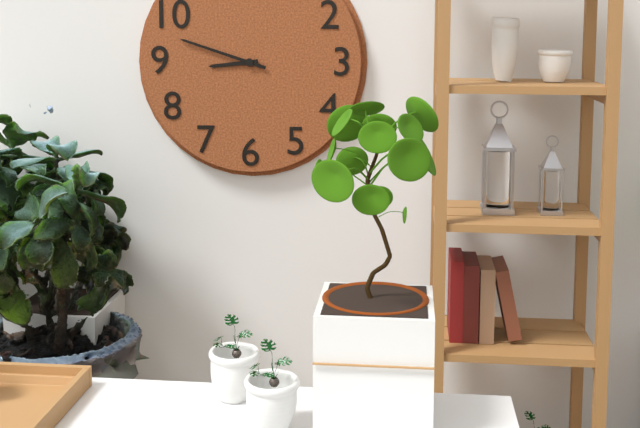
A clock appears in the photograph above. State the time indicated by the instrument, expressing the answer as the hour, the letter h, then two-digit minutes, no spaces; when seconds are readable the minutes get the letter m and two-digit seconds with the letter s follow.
8h48
